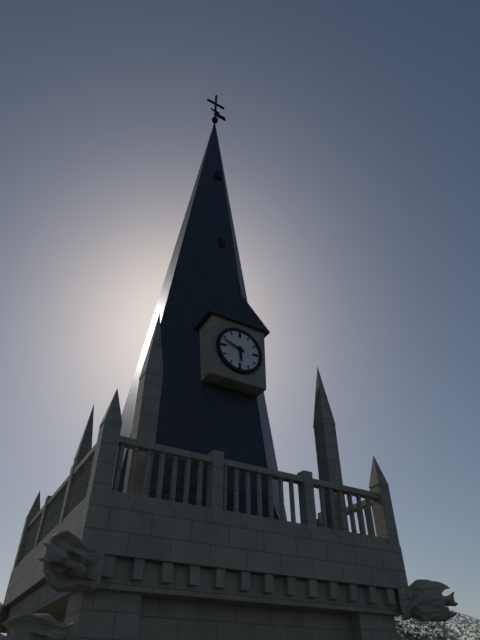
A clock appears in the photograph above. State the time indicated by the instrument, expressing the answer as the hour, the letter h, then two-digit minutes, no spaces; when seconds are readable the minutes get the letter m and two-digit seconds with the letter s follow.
5h48
